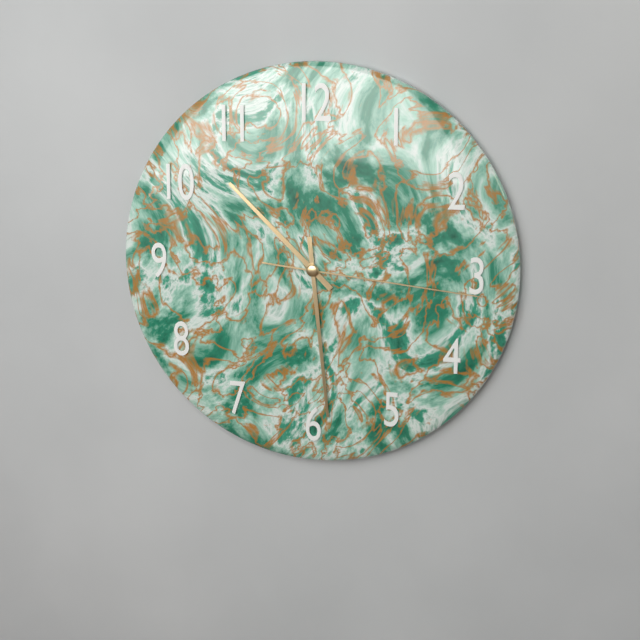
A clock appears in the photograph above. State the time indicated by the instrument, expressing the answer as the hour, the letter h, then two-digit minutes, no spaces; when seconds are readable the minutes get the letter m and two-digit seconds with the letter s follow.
10h29m16s
